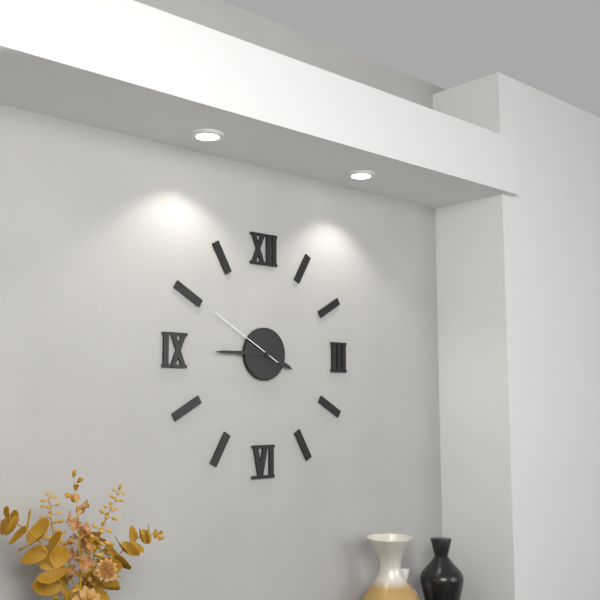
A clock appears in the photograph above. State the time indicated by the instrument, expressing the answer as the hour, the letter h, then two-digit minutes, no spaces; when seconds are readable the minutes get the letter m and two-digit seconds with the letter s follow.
3h45m50s
